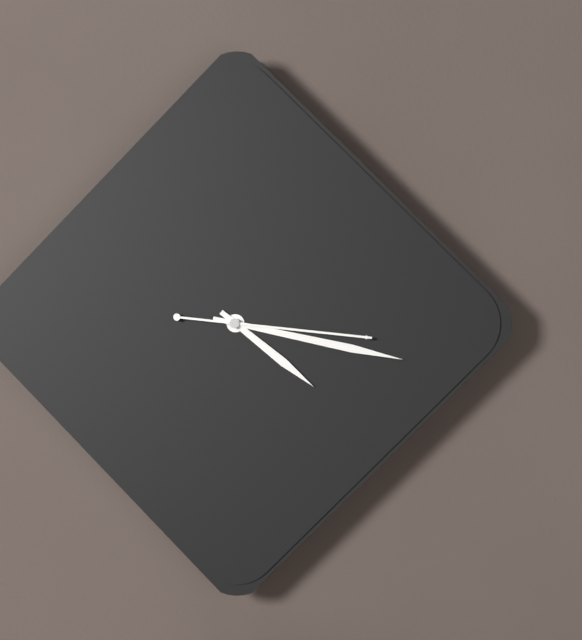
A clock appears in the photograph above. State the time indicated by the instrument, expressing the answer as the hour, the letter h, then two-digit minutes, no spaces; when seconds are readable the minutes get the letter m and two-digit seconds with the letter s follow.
4h17m16s
